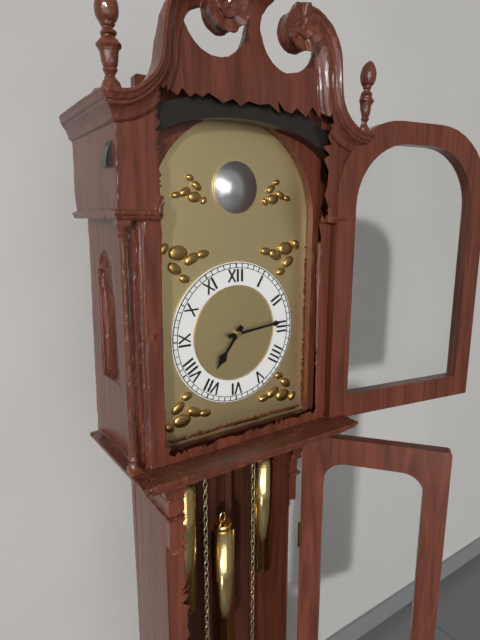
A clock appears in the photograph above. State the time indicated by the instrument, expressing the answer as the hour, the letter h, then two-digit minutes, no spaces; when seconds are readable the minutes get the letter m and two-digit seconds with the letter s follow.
7h14
